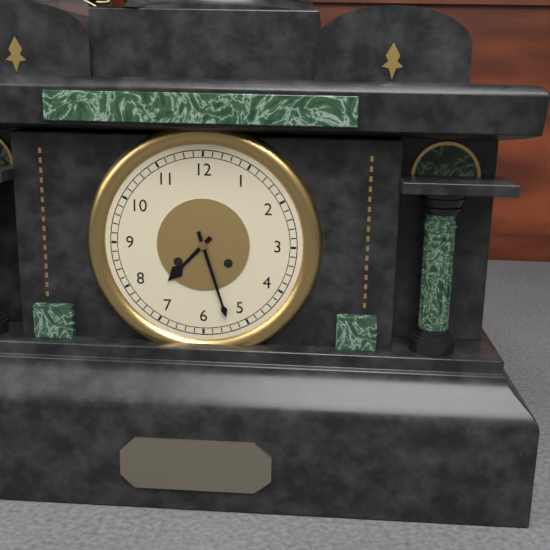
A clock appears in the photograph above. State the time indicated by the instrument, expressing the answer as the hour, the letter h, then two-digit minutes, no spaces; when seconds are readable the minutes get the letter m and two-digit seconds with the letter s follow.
7h27
